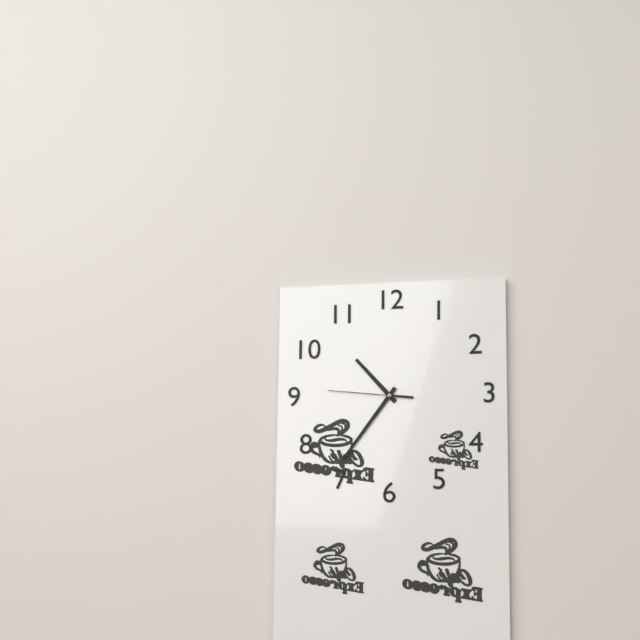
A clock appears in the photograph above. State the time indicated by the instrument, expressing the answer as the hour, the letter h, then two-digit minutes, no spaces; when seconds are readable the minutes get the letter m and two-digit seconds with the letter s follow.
10h36m46s
